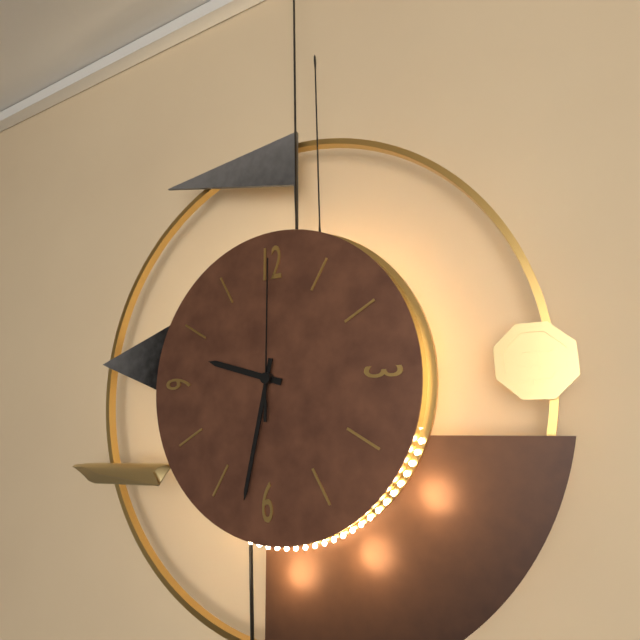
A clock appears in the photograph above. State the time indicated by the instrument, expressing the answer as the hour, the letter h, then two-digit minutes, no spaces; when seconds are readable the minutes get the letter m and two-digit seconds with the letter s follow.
9h32m00s
